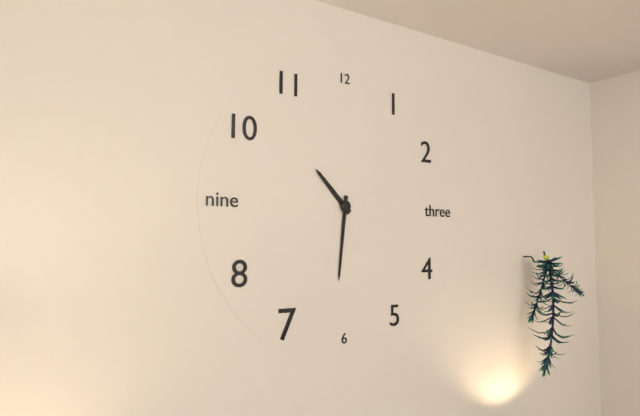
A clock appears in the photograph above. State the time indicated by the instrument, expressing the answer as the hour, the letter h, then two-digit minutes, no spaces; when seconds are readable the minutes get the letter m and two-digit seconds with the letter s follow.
10h31
